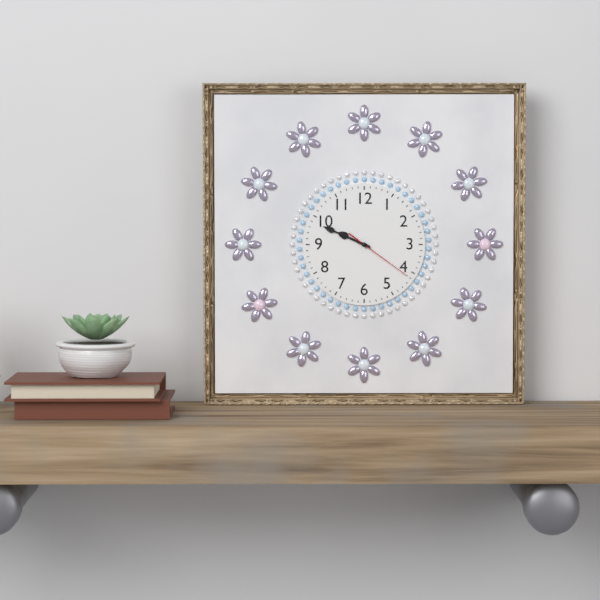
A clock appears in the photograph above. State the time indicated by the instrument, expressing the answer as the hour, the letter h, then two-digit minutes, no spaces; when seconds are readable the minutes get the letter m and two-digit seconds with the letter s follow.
9h49m21s
